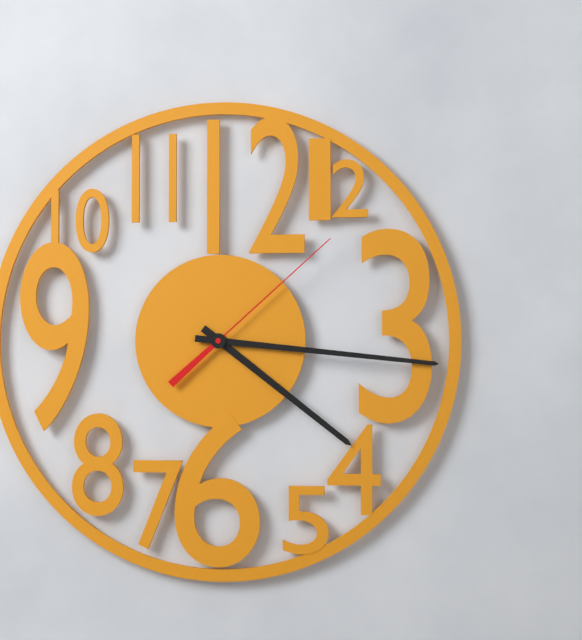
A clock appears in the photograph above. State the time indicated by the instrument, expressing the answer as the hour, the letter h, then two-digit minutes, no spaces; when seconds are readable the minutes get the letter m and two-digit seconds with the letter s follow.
4h16m08s
